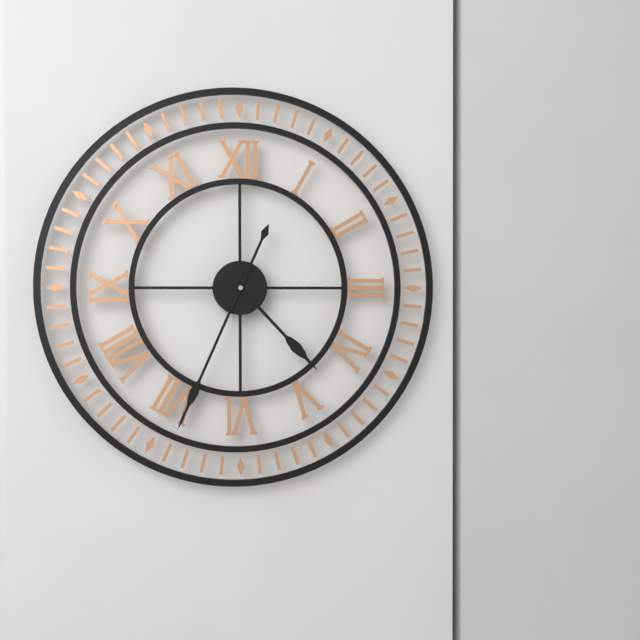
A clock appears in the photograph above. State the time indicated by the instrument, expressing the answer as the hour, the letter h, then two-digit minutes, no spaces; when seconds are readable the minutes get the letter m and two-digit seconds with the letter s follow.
4h34
